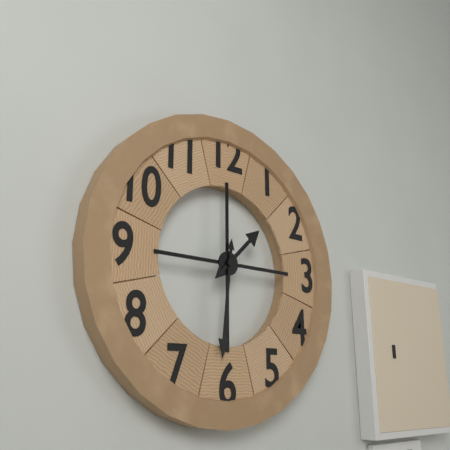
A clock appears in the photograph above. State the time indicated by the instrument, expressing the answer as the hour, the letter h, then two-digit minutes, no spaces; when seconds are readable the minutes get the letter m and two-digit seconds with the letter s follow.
1h31
